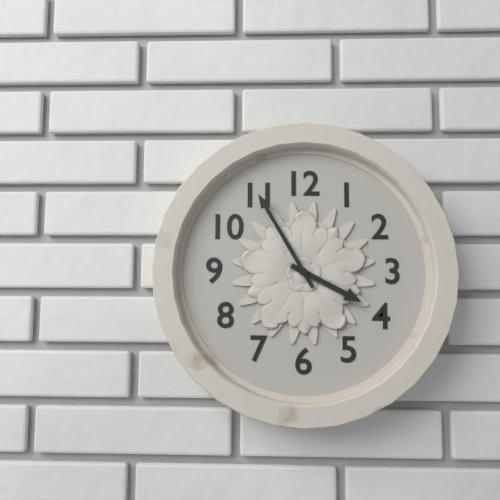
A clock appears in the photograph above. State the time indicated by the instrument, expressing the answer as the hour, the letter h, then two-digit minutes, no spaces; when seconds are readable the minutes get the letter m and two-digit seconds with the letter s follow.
3h55
